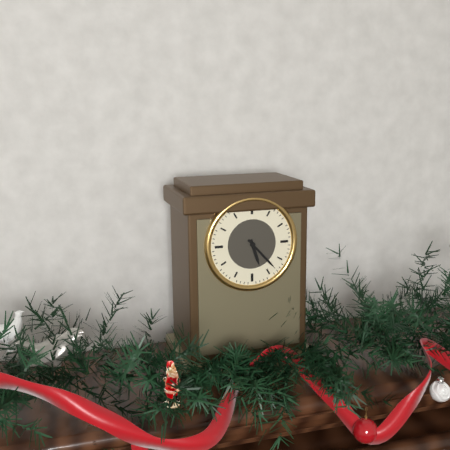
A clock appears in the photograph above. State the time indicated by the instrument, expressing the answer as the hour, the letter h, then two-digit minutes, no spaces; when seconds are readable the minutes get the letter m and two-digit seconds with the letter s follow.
5h23
